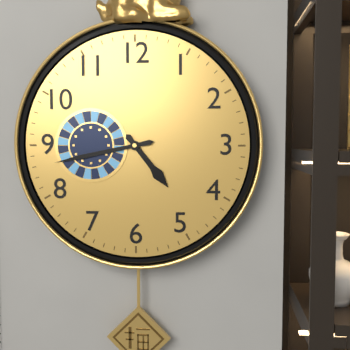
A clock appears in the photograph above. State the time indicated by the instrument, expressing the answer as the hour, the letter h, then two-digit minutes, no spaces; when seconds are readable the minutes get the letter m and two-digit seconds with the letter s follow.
4h43
